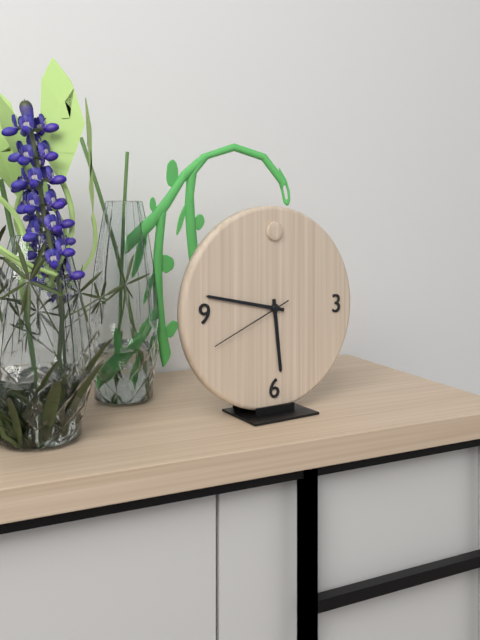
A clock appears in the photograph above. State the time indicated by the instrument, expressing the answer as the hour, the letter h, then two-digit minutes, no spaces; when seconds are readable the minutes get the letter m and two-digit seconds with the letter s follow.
5h47m41s
